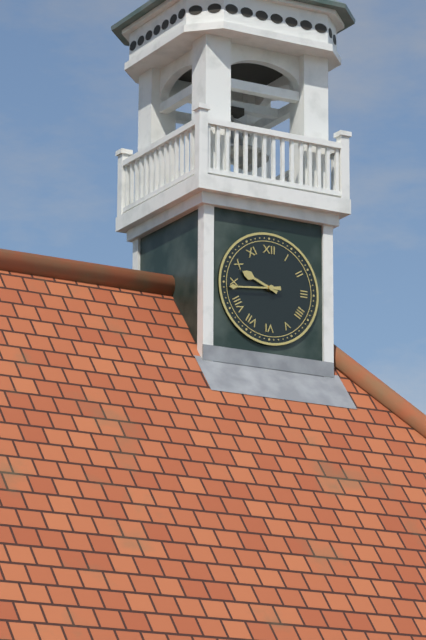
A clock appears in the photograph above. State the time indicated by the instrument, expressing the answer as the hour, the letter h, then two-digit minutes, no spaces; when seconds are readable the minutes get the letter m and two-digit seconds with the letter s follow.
9h44
